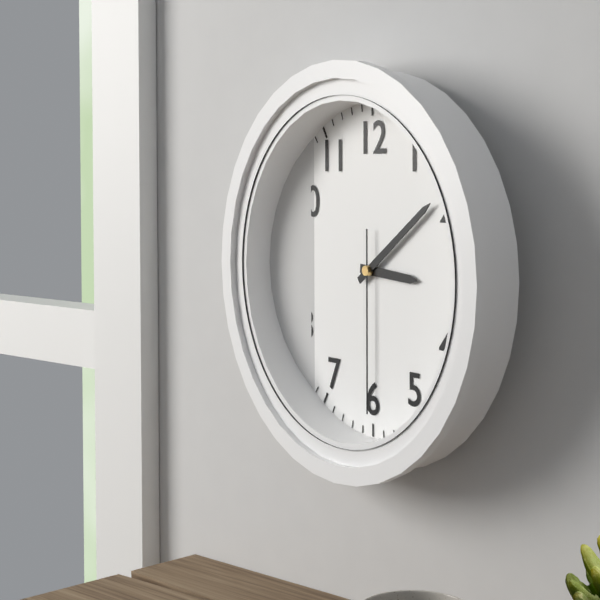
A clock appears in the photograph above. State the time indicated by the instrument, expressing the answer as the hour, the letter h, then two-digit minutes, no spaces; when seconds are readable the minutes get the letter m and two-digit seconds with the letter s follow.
3h09m30s
